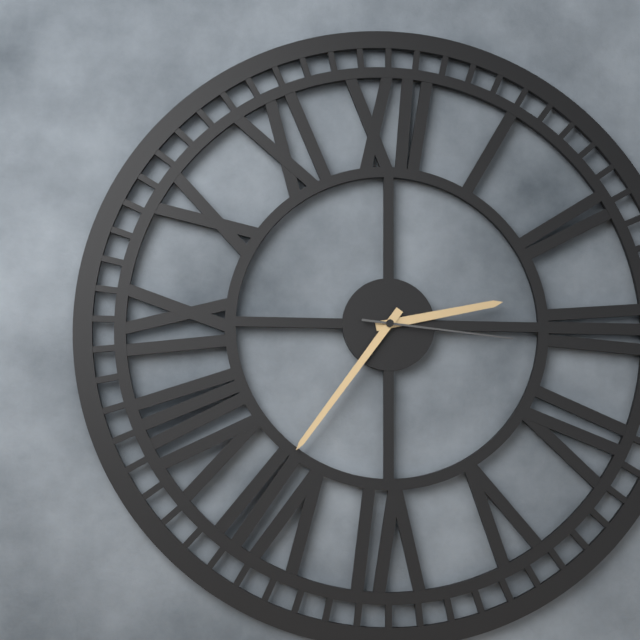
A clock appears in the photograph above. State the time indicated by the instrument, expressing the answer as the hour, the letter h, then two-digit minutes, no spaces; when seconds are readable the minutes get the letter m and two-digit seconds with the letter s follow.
2h36m16s
